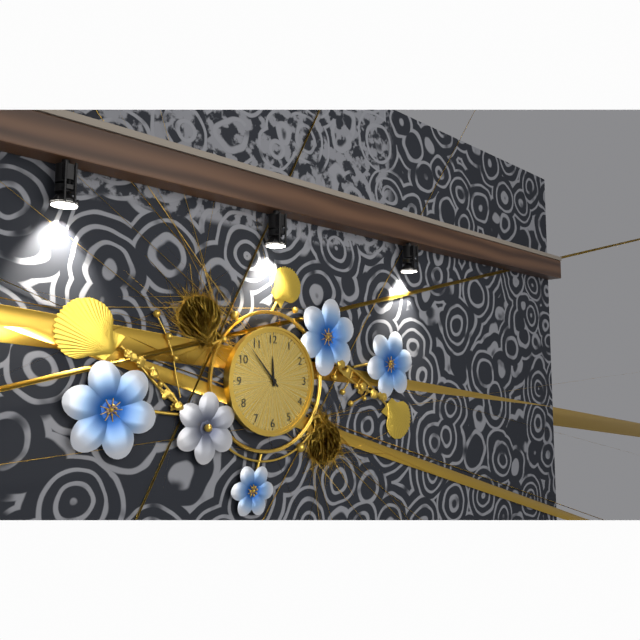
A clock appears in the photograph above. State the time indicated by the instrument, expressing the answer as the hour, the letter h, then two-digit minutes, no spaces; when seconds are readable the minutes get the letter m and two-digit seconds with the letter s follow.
11h53
